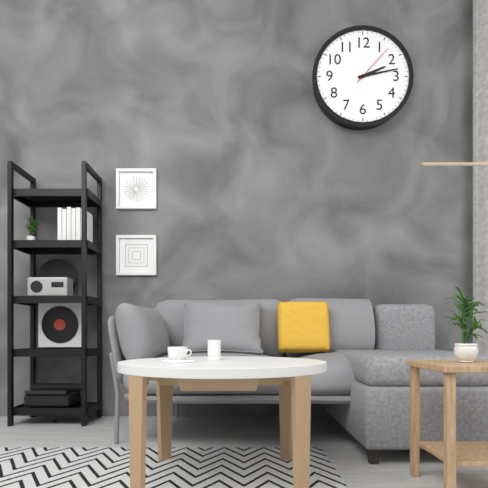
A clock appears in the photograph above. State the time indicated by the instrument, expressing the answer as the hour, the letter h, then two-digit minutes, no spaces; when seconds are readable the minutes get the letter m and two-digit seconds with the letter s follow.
2h13
